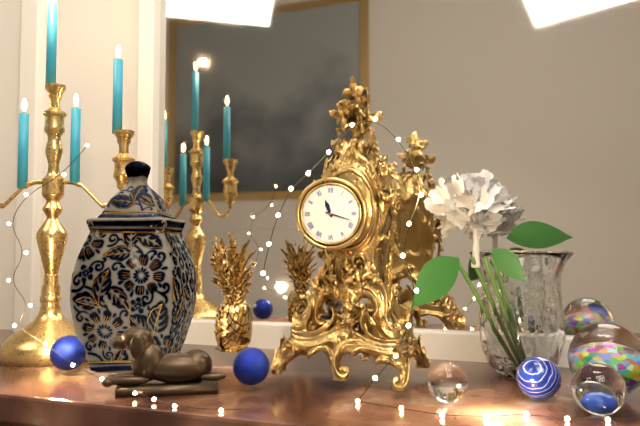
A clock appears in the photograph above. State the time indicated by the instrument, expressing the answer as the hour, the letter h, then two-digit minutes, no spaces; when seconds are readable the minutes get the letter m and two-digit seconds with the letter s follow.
11h18
